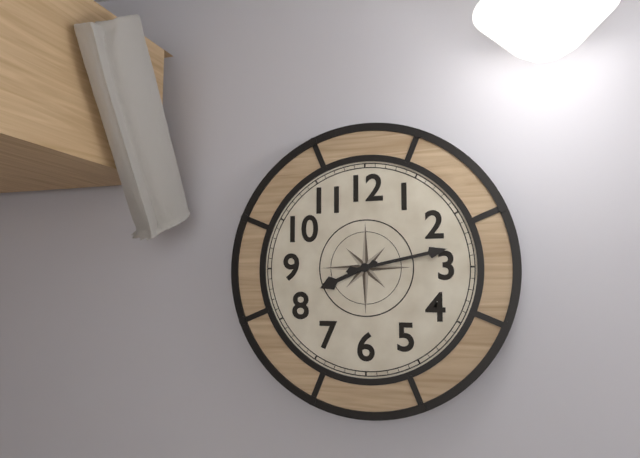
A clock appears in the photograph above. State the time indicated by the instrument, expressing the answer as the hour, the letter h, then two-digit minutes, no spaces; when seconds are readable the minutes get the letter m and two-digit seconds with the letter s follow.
8h13
